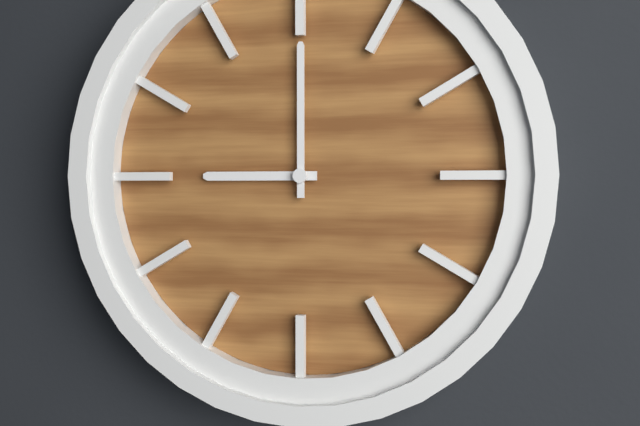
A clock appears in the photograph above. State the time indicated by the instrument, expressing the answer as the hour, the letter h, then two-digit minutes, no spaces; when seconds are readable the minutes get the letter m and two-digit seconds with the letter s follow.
9h00
